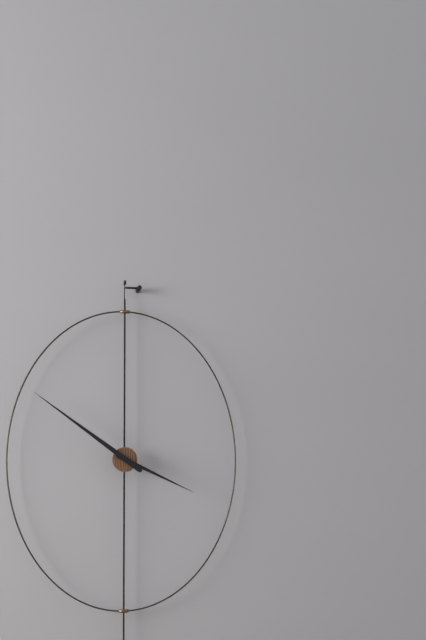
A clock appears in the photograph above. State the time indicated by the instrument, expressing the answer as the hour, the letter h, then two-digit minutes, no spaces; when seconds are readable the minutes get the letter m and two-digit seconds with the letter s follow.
3h51
